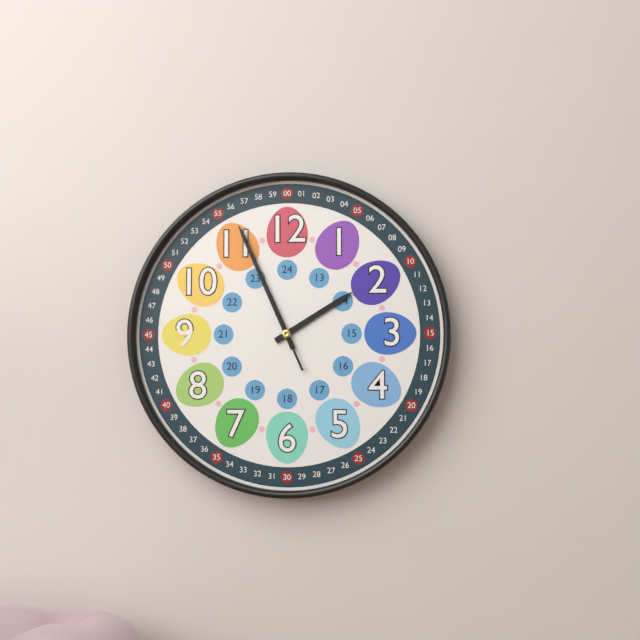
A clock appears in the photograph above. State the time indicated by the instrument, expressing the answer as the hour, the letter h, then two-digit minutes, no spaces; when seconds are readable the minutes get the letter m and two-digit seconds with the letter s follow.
1h56m56s
